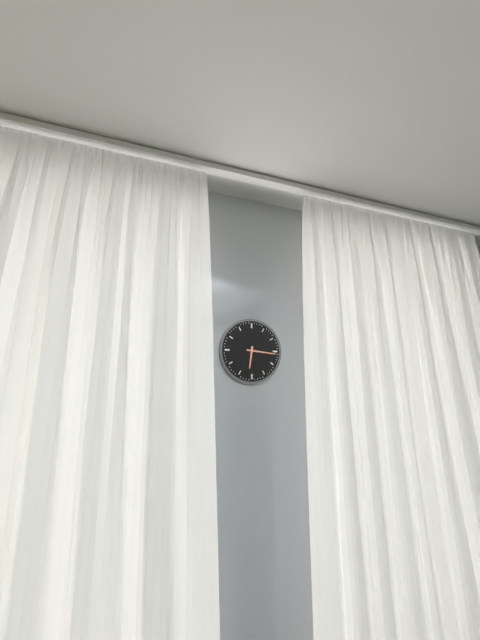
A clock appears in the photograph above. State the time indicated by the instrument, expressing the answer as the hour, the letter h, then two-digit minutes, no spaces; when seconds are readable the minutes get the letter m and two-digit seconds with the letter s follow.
6h16
